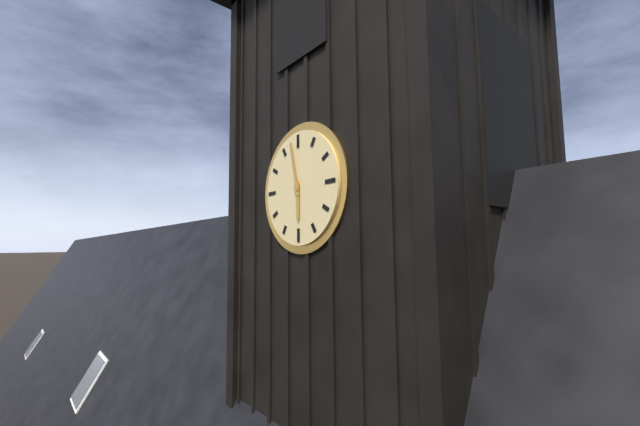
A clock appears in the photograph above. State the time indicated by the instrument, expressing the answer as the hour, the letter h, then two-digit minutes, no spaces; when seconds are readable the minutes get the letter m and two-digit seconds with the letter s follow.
5h58
